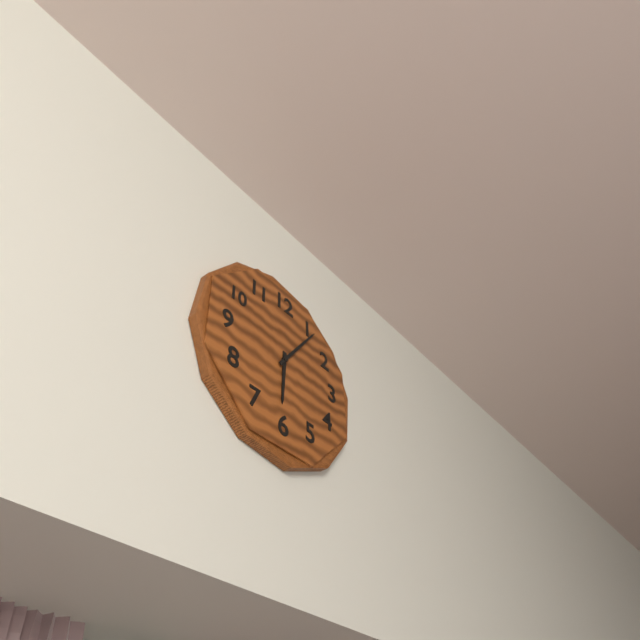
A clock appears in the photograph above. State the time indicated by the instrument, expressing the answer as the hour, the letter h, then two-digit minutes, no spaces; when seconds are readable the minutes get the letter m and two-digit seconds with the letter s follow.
6h06
